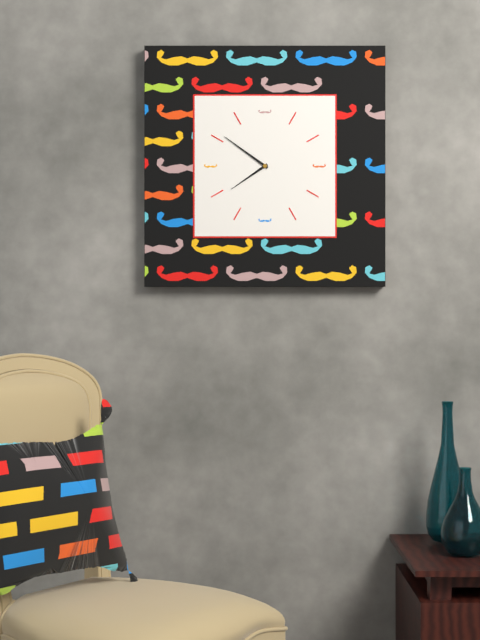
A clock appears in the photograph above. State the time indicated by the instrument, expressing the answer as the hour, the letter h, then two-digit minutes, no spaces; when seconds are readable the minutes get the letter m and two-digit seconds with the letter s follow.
7h51
